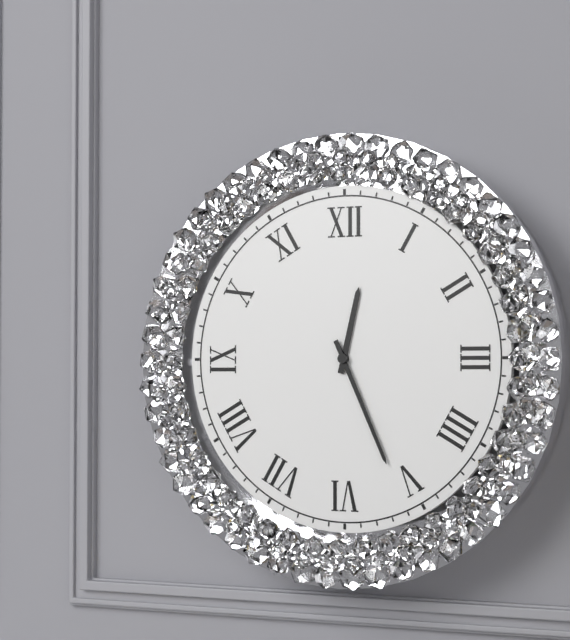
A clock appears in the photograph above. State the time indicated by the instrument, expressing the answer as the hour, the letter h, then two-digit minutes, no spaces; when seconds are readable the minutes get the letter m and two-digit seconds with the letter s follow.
12h26
